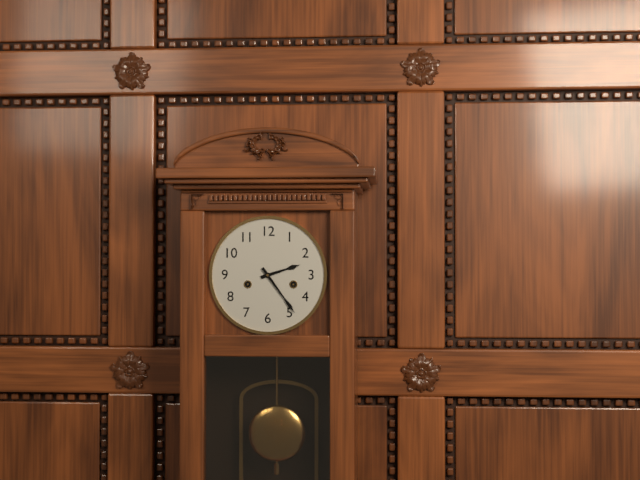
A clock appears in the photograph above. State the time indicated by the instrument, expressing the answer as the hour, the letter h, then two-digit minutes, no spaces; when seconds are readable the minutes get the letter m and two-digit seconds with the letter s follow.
2h24
